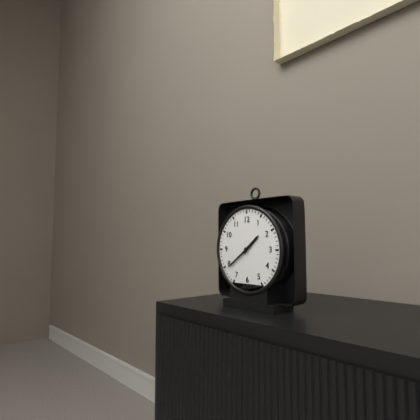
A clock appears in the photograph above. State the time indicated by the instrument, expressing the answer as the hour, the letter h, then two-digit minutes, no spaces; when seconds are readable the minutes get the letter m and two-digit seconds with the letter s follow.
1h39
